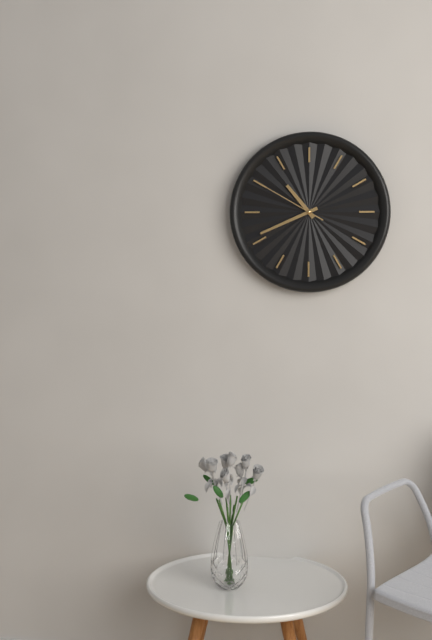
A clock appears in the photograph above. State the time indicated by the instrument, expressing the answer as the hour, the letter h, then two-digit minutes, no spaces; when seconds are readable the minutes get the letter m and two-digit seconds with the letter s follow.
10h41m50s
